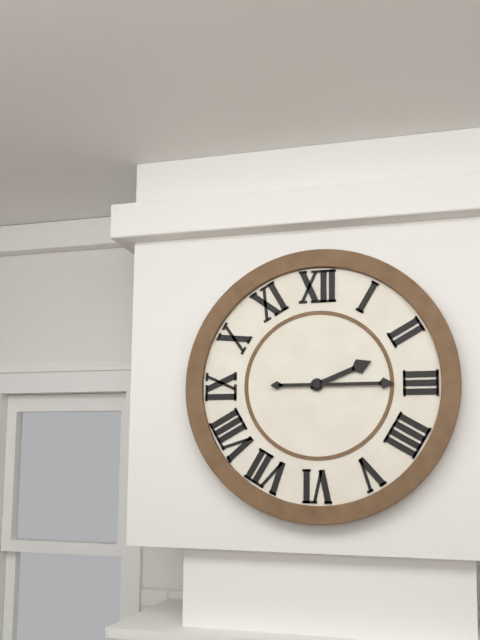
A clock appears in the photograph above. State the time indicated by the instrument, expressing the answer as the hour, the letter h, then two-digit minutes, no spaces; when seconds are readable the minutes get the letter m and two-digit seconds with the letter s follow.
2h15
